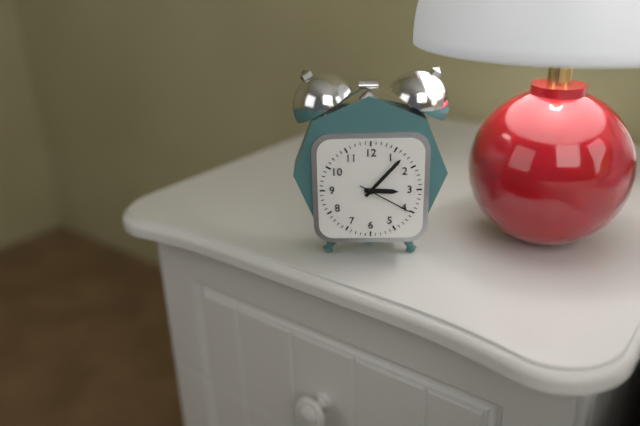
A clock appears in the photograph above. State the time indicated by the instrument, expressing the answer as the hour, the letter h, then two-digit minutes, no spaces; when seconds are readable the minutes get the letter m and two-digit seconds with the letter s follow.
3h07m20s
